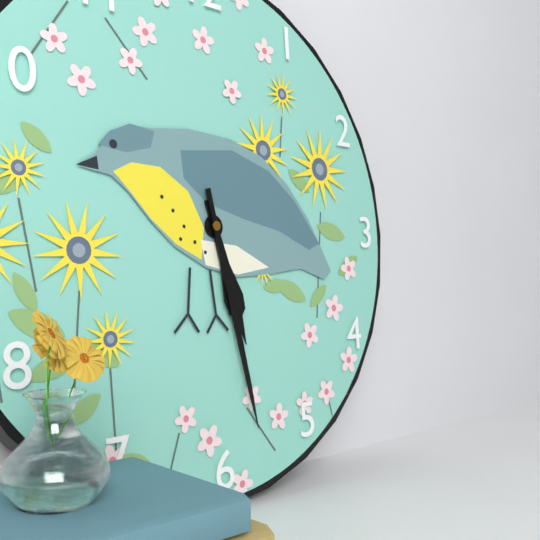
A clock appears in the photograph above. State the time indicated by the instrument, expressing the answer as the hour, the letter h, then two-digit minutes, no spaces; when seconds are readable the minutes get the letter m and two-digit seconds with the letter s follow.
5h28
